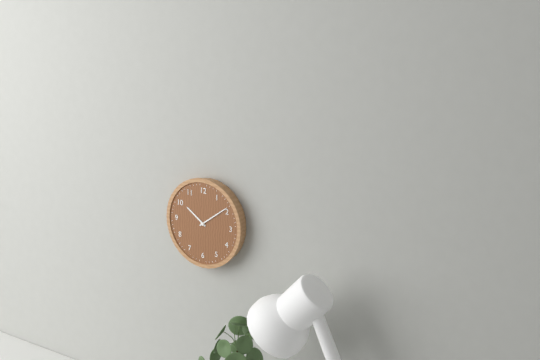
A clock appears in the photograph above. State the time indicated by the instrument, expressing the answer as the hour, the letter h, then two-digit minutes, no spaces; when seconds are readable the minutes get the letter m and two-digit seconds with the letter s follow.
10h09
